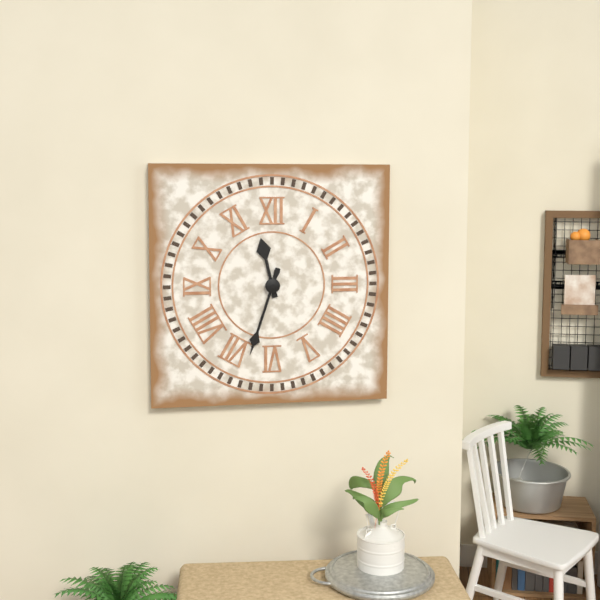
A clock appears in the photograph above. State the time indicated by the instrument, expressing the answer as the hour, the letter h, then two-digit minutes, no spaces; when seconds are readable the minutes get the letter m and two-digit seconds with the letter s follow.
11h33
